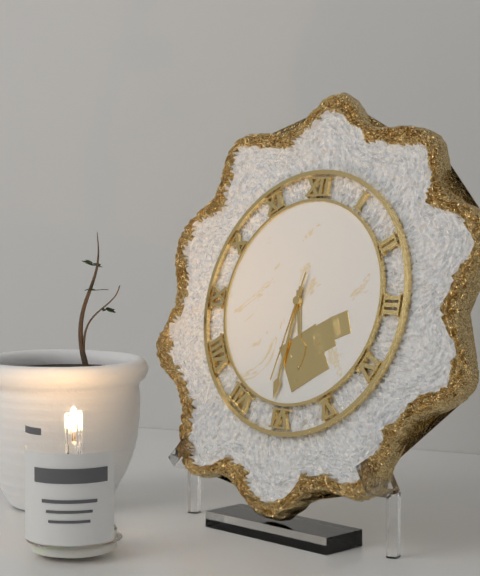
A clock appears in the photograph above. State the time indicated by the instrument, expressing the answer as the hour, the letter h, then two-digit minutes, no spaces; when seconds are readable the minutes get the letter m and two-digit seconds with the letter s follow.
5h31m32s
